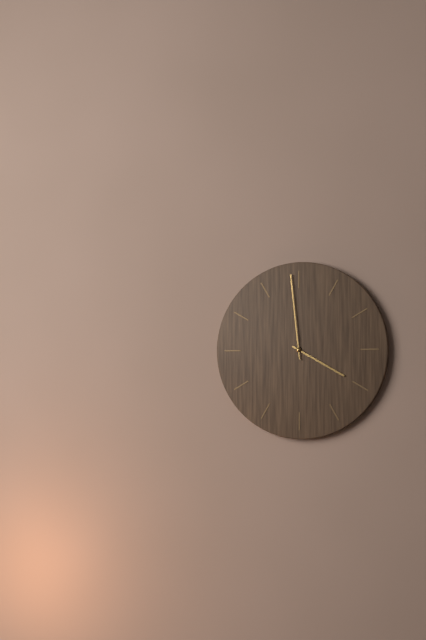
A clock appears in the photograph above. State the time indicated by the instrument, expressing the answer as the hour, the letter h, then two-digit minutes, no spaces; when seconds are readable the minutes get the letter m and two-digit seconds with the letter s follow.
3h59
